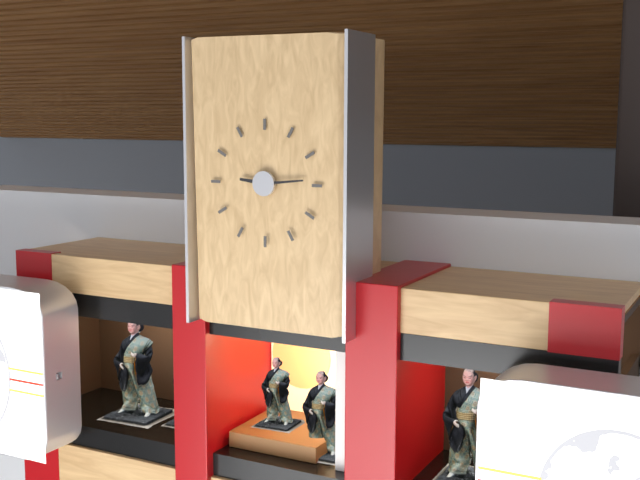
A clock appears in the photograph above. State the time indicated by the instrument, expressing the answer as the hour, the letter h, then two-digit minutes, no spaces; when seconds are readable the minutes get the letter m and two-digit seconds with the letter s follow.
9h14
